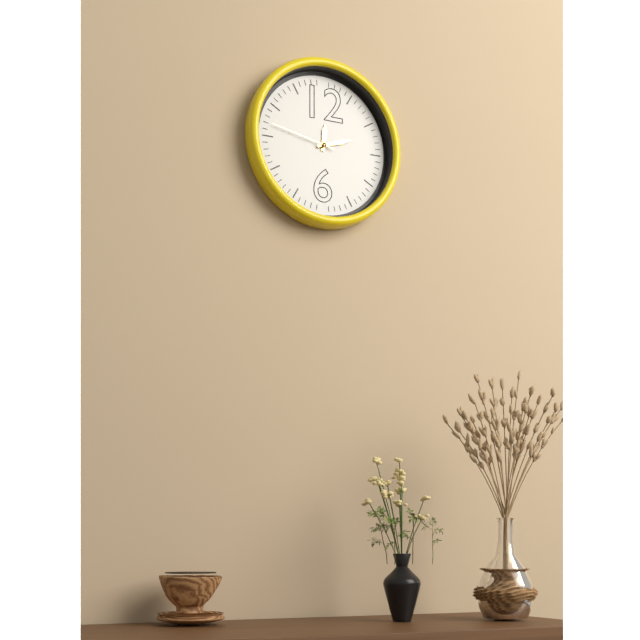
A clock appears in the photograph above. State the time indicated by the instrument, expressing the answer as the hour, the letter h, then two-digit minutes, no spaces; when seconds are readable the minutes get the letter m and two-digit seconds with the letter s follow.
12h12m47s
